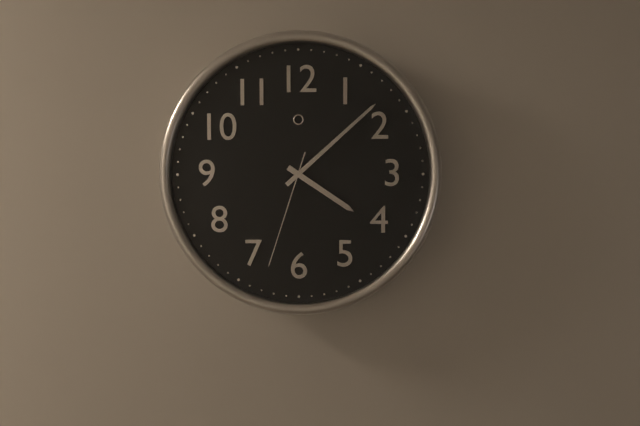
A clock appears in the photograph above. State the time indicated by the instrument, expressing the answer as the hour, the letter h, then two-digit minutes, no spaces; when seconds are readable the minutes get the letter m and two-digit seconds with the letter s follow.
4h08m33s
